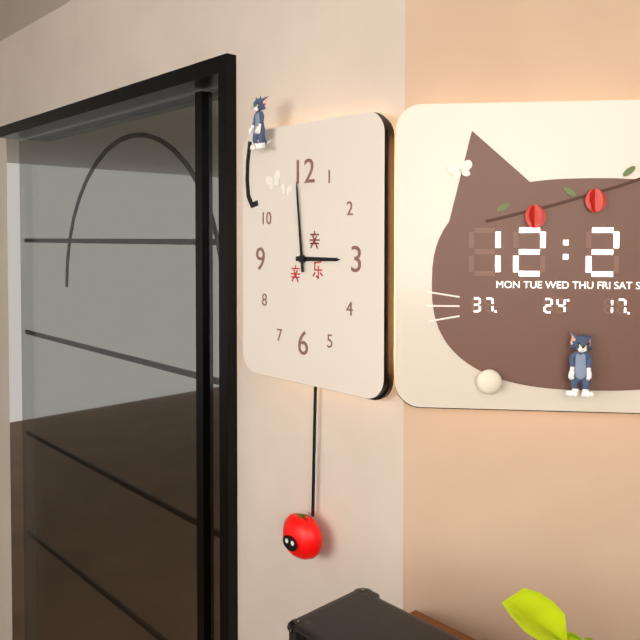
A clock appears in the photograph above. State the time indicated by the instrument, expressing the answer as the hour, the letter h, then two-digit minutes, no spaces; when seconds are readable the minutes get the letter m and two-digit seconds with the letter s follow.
2h59
